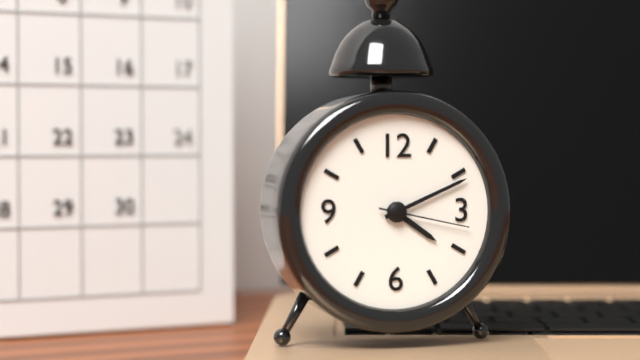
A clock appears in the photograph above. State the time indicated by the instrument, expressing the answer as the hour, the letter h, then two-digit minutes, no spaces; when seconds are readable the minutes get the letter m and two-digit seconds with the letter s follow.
4h11m17s
